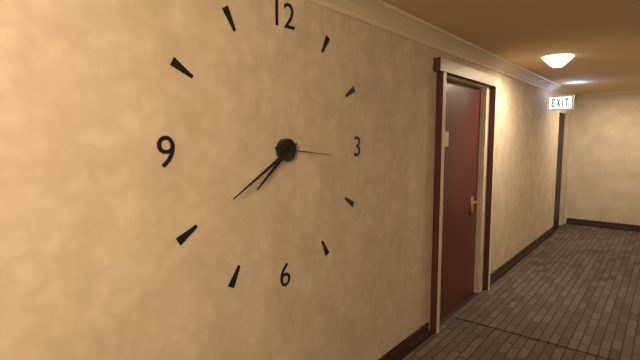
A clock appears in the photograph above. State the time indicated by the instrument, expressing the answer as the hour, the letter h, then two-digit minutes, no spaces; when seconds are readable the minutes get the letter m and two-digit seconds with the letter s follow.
7h40m16s
